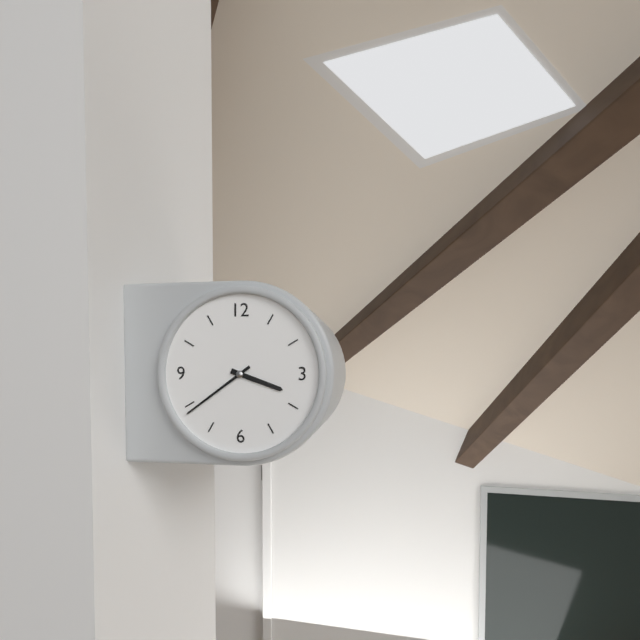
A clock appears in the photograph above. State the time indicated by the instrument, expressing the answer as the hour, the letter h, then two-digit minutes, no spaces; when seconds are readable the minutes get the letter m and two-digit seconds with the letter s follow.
3h39
